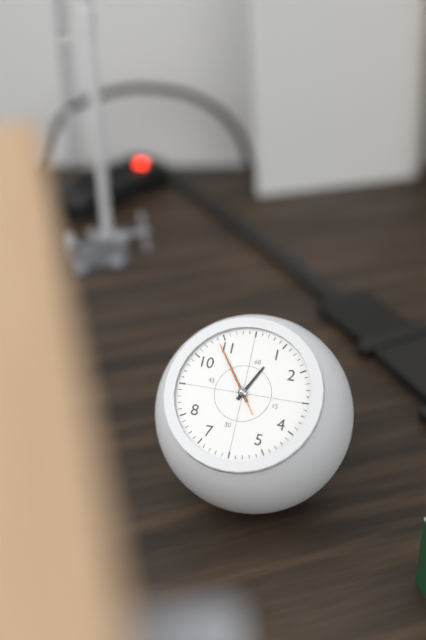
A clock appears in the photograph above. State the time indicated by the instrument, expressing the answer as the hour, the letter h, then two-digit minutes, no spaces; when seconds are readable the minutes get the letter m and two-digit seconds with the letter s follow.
12h54m54s
